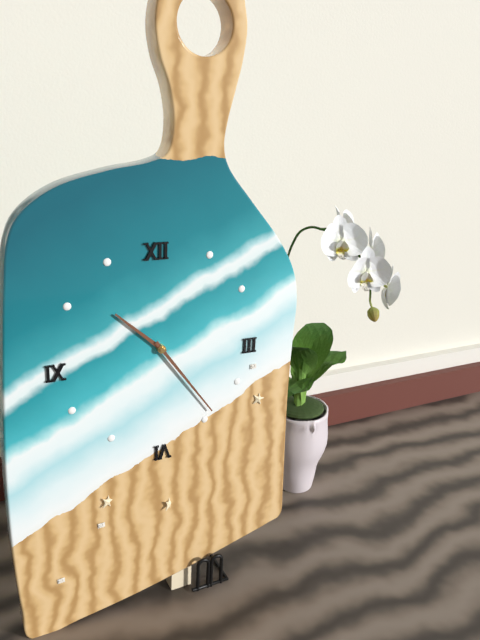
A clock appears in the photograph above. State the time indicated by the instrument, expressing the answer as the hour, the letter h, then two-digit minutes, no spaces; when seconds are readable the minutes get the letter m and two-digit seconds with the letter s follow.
10h24
